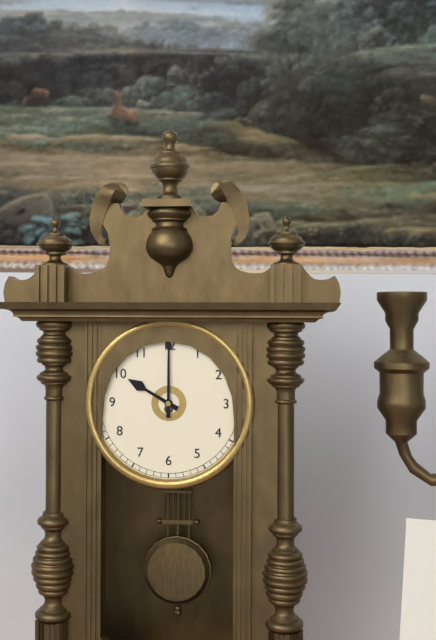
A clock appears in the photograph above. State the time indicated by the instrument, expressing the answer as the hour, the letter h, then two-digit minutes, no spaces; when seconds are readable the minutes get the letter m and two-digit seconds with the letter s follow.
10h00
